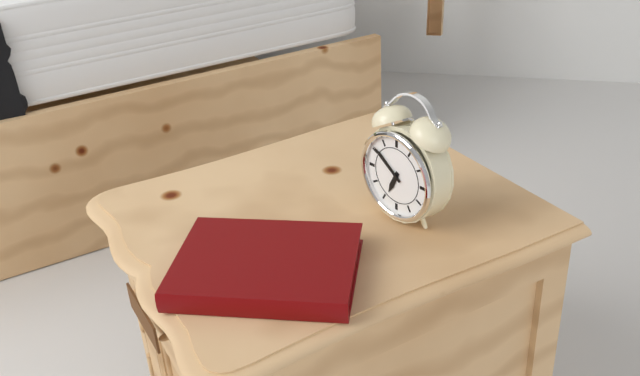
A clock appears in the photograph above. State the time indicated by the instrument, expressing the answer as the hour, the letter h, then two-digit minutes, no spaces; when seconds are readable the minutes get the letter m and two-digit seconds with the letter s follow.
6h51
